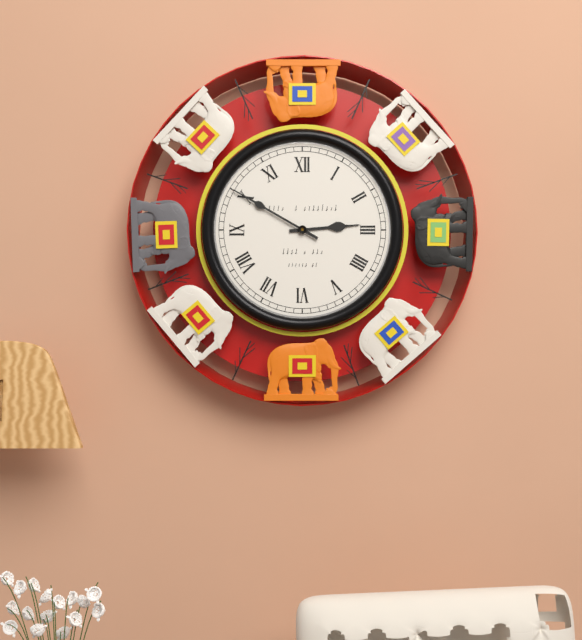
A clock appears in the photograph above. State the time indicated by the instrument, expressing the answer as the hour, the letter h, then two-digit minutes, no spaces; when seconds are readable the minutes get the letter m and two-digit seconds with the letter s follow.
2h50
